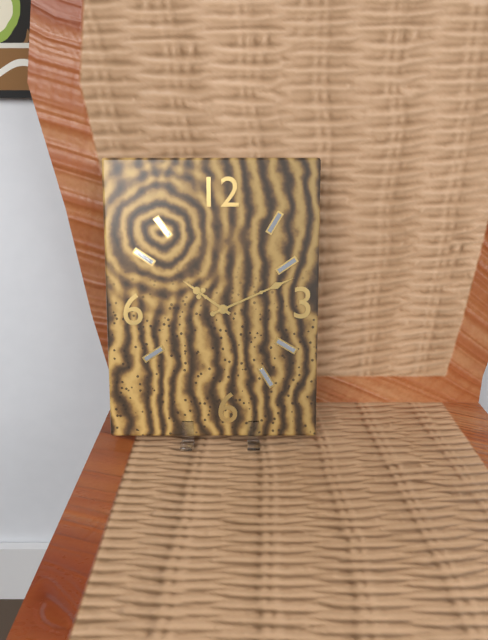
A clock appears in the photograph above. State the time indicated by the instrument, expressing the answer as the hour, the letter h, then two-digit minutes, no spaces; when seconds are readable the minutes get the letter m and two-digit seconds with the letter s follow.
10h11
